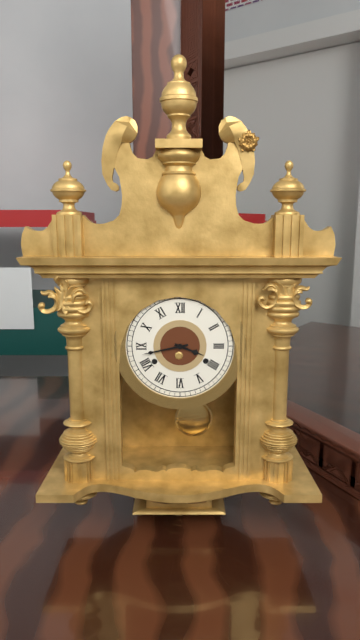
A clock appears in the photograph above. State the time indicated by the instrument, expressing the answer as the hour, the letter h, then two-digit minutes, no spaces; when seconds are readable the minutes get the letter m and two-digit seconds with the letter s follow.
3h43
